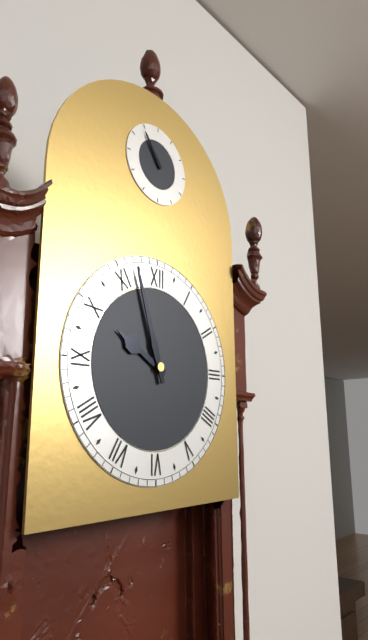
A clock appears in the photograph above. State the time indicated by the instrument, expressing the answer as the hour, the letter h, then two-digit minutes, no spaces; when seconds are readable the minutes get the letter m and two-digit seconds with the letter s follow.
9h57
